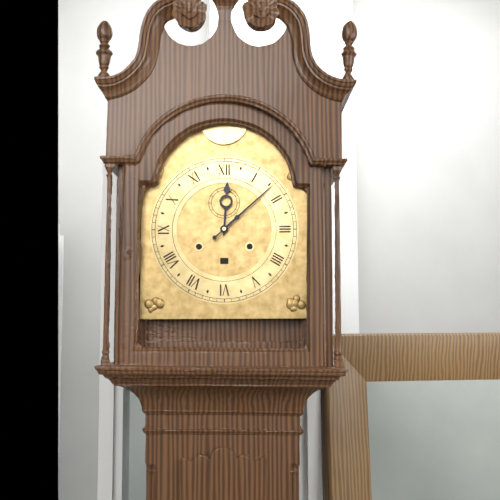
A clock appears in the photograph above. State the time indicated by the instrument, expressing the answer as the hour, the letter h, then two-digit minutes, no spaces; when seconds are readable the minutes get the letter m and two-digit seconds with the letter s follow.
12h08
